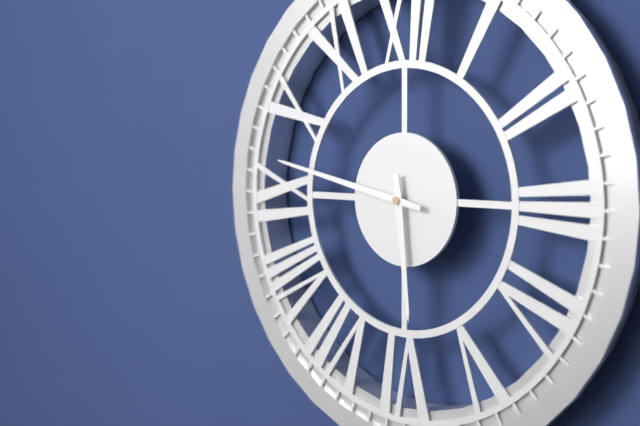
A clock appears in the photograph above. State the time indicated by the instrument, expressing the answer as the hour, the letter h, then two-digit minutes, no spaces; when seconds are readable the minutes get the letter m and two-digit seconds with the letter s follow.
5h47
